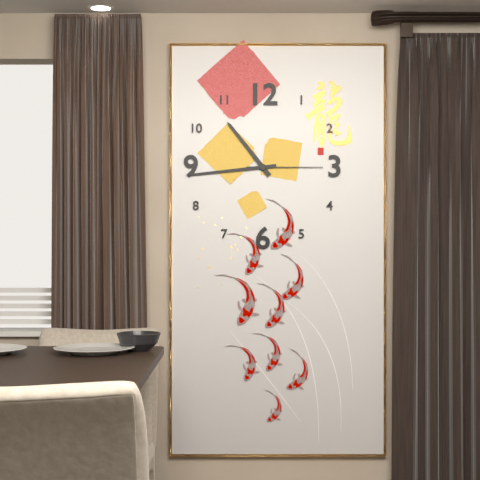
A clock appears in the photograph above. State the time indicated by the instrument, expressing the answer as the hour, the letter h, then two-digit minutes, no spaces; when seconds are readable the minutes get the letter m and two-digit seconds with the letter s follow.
10h44m15s
